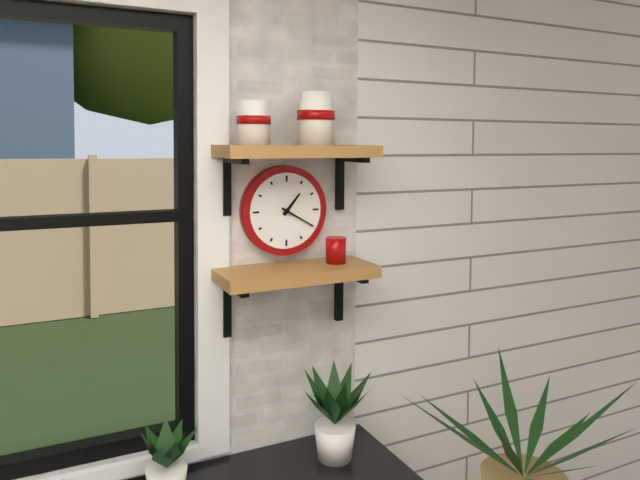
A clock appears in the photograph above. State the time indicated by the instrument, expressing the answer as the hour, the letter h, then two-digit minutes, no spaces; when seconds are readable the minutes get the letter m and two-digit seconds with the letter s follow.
1h20
